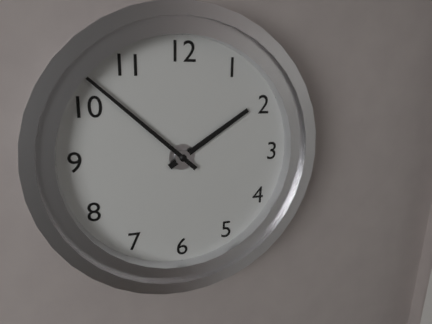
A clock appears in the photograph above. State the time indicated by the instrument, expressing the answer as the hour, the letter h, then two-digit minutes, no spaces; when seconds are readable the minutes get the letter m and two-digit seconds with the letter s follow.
1h52
